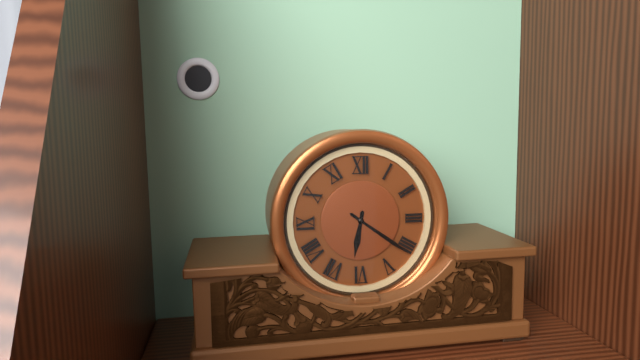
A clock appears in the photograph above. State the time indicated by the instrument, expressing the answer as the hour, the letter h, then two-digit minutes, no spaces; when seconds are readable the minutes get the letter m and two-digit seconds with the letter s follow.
6h21
